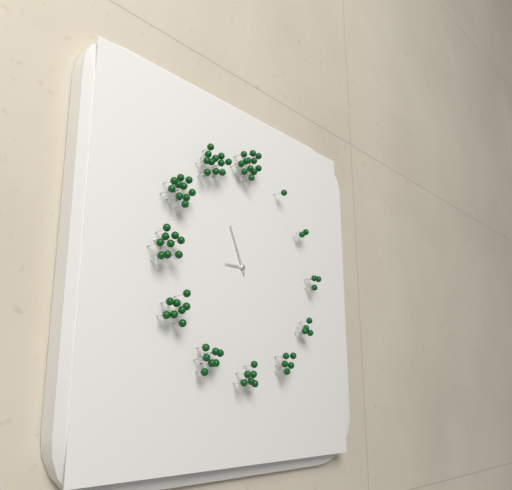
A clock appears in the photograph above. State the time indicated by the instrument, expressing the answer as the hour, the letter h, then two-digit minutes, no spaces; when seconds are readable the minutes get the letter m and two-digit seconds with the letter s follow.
8h56
